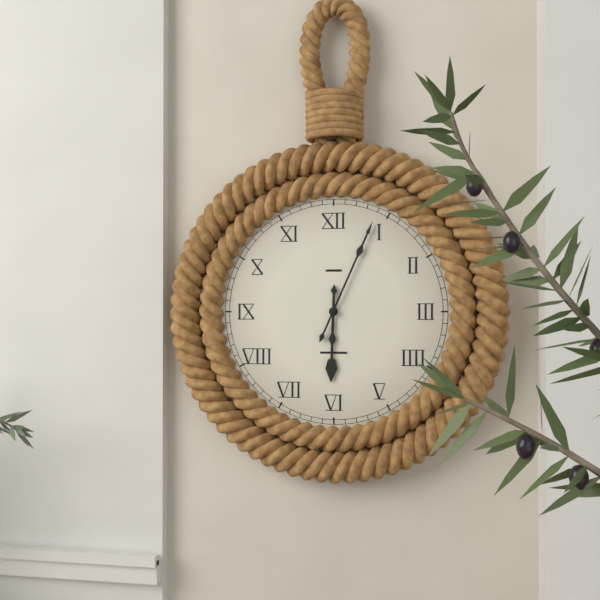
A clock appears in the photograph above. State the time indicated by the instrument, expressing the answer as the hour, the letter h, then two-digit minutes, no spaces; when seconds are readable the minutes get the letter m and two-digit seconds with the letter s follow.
6h04
